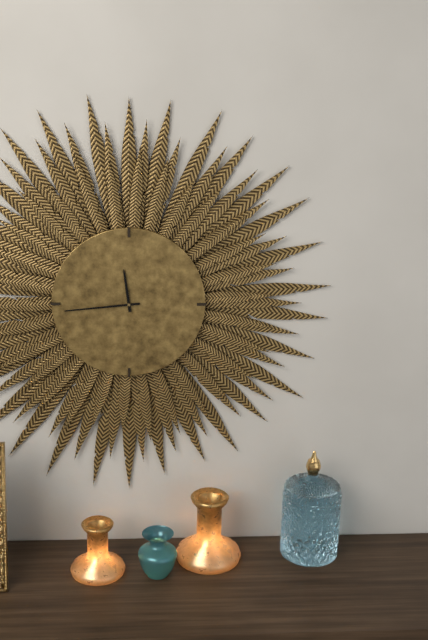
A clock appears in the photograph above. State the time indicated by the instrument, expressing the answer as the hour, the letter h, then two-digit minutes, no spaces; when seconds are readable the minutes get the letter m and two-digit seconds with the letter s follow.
11h44
